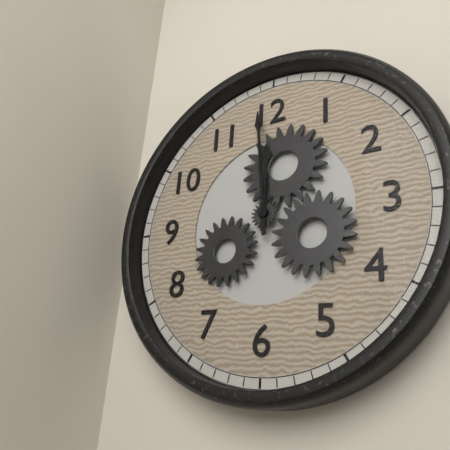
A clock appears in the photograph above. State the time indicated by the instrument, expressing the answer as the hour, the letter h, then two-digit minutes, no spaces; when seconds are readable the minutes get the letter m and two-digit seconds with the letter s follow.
11h59
